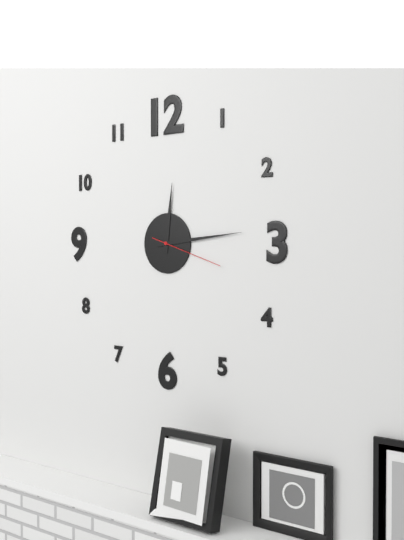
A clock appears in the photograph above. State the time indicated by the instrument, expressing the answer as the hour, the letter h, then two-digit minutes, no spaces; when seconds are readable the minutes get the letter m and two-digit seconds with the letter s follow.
12h14m18s
